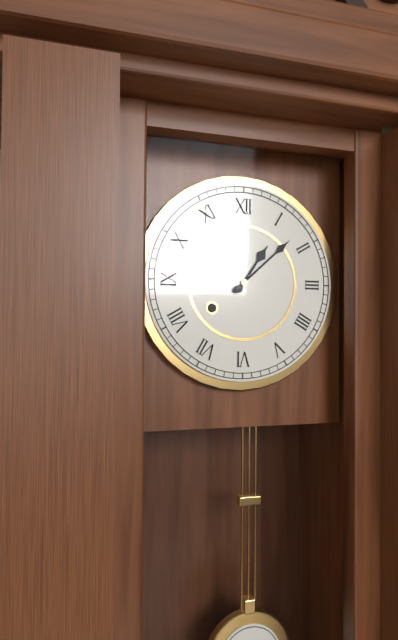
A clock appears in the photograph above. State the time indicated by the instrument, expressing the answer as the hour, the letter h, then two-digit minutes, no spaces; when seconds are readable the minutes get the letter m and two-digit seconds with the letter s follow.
1h08
